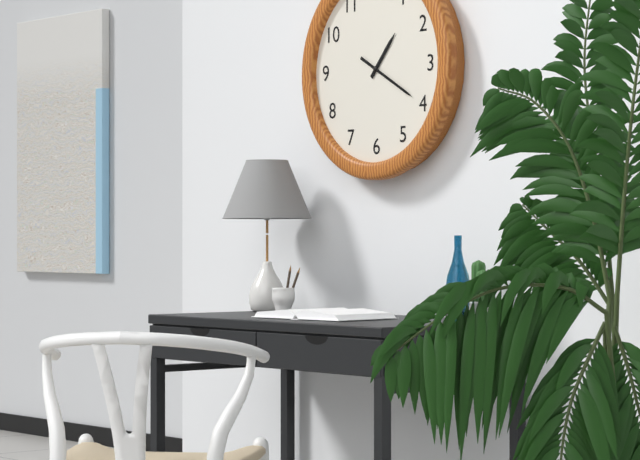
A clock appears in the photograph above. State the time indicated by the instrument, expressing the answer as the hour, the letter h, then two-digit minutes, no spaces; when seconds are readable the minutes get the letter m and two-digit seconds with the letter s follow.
1h20
